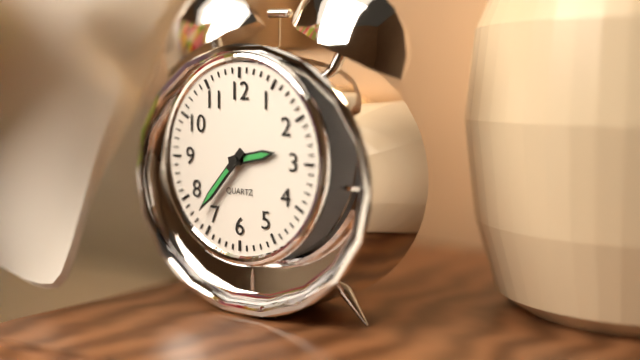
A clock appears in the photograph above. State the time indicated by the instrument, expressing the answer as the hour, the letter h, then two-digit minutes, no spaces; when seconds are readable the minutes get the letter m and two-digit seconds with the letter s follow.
2h37
